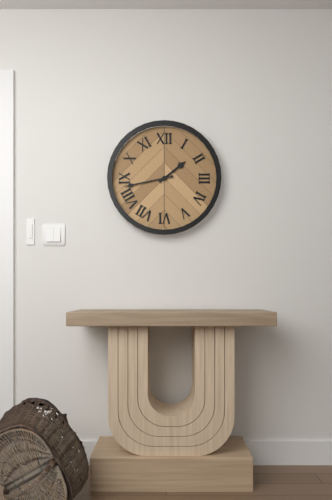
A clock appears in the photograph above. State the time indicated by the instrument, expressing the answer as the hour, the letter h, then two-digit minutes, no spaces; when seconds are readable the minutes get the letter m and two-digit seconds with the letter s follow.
1h43
